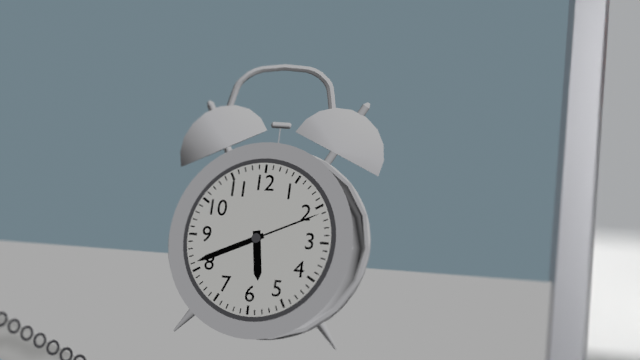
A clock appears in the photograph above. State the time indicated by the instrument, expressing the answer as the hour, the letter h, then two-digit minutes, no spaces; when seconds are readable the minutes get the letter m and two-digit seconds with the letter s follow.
5h41m11s
